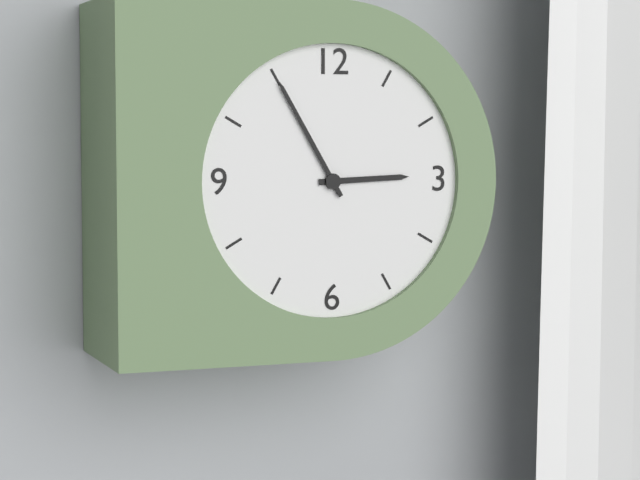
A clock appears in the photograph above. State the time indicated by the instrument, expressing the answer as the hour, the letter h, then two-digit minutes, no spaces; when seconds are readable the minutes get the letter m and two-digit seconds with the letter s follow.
2h55
